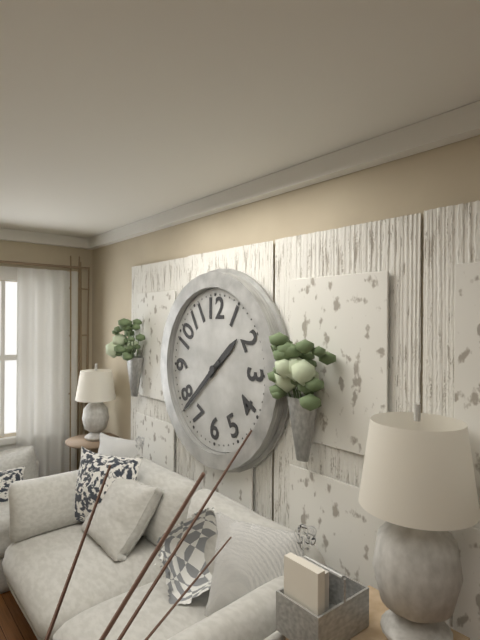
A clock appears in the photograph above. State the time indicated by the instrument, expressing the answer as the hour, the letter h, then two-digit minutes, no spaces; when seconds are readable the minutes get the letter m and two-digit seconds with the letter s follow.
1h38
